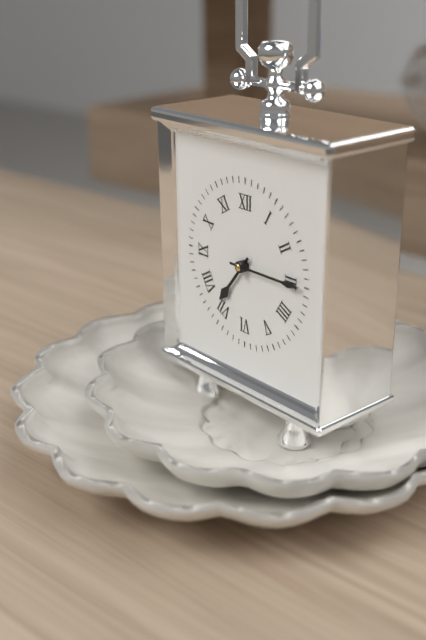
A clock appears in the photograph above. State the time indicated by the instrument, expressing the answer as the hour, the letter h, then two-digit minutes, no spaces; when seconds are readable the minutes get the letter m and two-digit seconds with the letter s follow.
7h15
